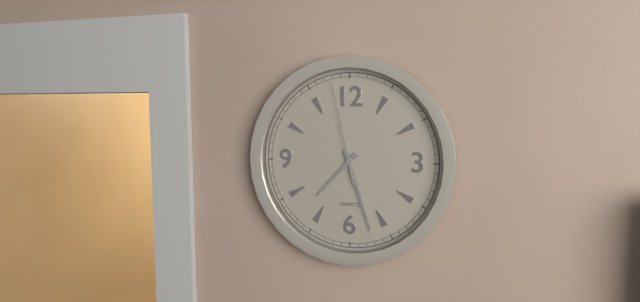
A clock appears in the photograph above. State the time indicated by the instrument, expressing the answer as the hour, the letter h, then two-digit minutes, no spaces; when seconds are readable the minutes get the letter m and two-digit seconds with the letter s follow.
7h27m58s
